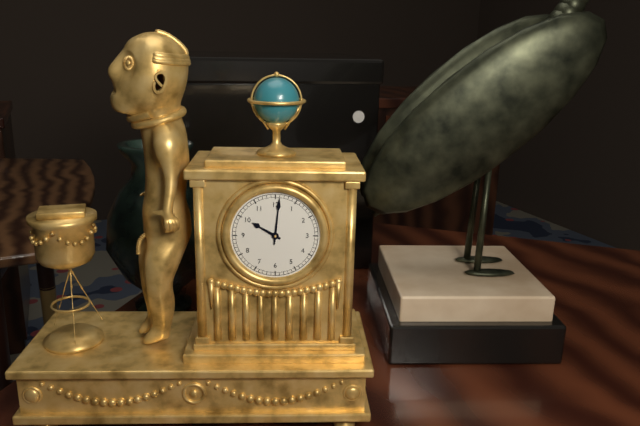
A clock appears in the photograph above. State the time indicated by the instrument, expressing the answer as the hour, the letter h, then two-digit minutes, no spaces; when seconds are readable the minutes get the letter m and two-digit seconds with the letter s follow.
10h01
